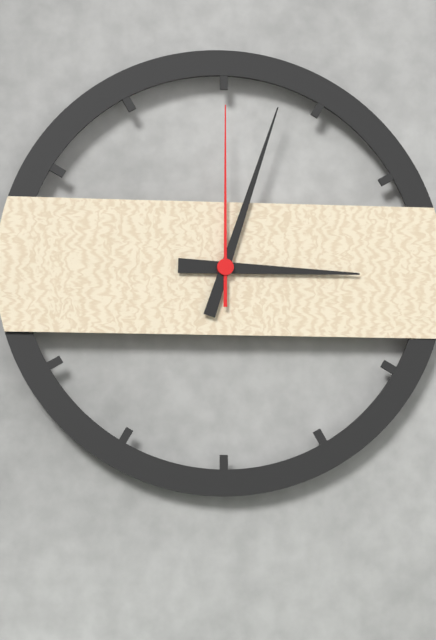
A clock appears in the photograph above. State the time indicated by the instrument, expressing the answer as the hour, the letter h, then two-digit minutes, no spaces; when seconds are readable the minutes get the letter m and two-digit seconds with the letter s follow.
3h03m00s
